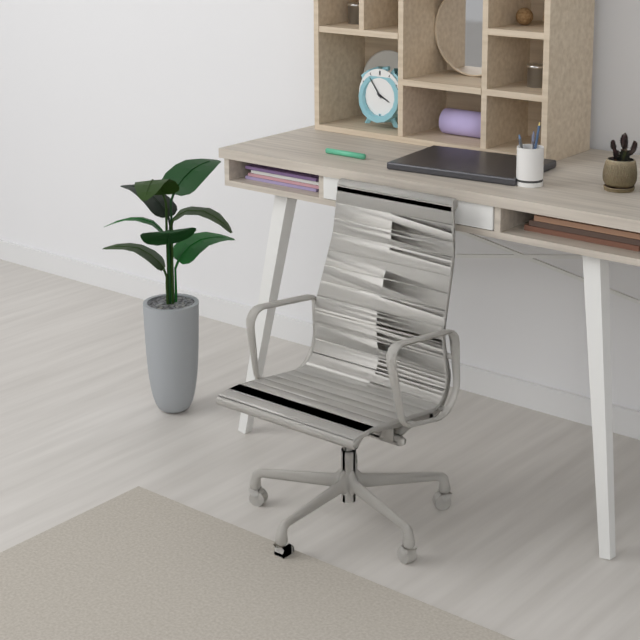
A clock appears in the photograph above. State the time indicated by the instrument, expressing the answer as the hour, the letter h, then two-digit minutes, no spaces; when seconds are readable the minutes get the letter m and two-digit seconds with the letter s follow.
3h54
